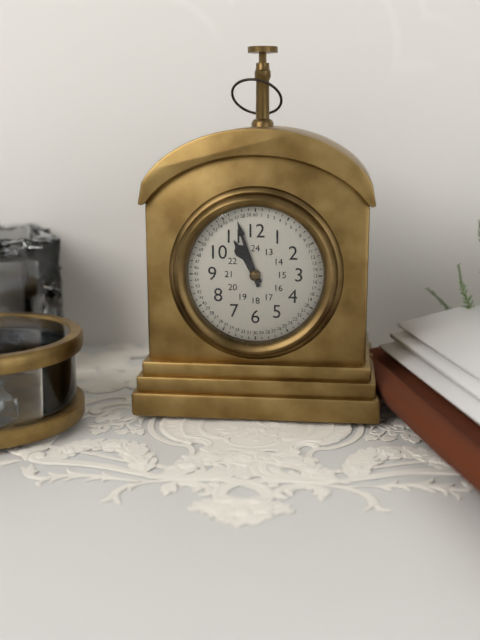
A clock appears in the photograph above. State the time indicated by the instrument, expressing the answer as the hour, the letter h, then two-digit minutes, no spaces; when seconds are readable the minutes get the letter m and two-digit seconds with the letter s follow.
10h57
